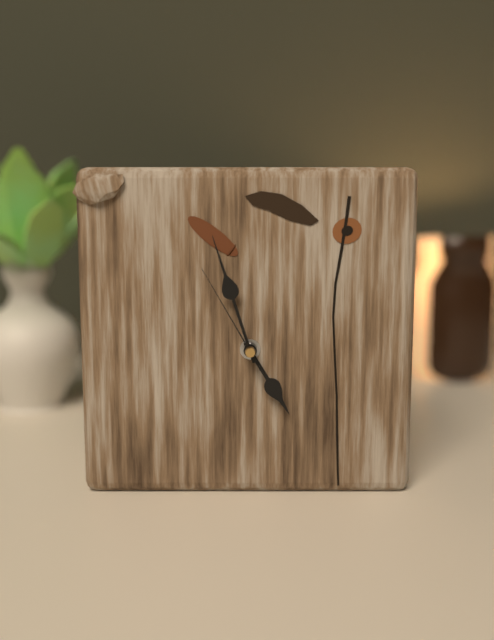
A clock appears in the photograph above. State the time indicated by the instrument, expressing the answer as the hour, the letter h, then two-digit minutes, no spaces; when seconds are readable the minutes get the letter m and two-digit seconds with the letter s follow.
4h57m55s
